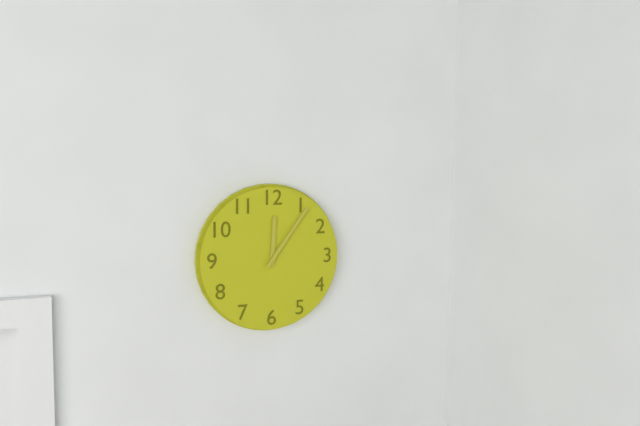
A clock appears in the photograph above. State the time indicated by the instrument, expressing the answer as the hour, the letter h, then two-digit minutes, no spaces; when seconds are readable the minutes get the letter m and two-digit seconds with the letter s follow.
12h06
